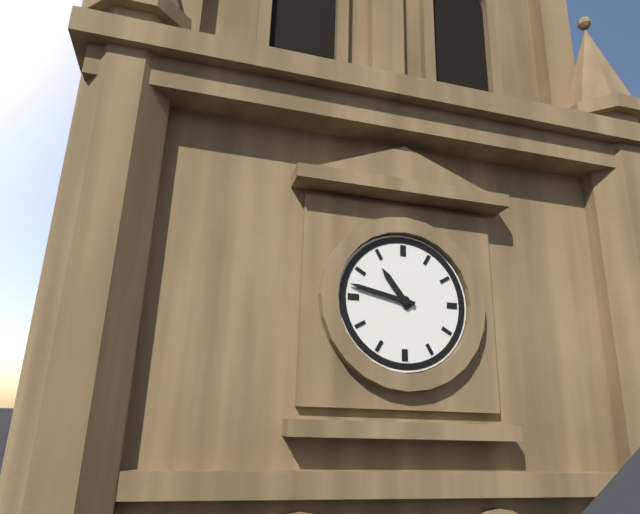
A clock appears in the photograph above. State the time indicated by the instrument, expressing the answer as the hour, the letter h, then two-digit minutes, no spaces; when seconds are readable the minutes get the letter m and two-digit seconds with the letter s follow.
10h47
